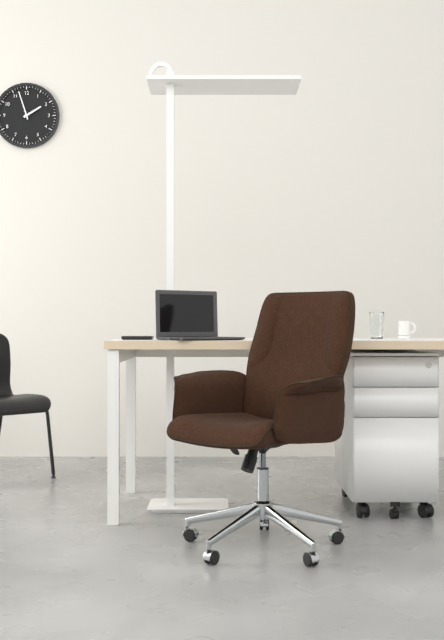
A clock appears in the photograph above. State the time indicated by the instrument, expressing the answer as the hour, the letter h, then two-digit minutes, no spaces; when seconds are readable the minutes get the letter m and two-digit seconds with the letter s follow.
1h57
